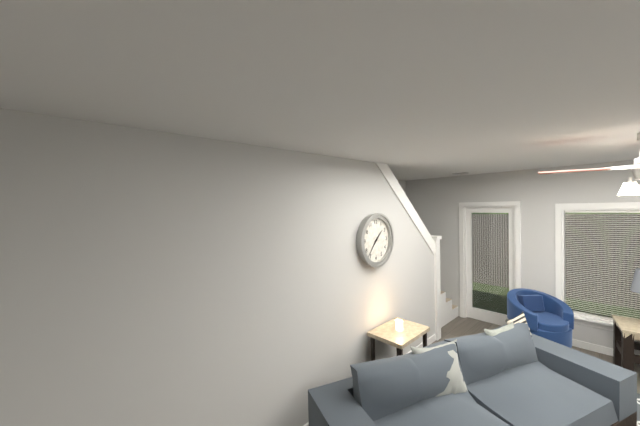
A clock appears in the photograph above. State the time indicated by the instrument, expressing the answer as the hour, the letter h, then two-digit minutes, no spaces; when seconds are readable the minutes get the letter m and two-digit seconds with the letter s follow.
1h37
